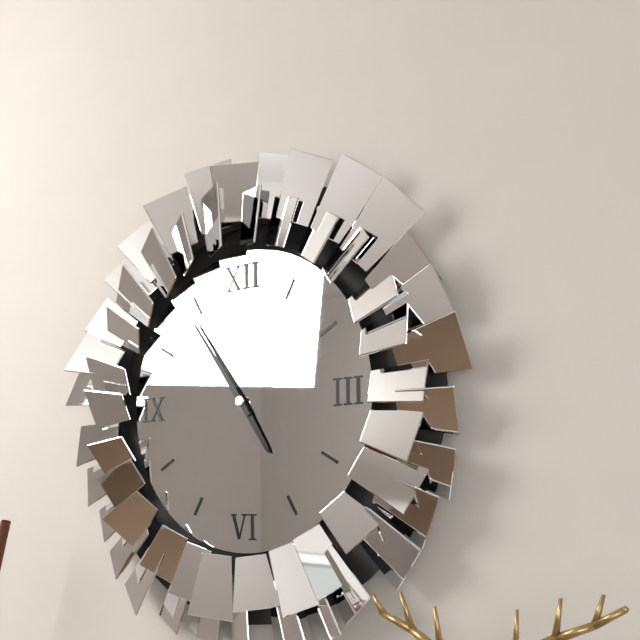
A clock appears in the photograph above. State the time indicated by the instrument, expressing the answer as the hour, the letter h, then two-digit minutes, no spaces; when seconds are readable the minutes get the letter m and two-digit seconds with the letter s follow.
4h54
